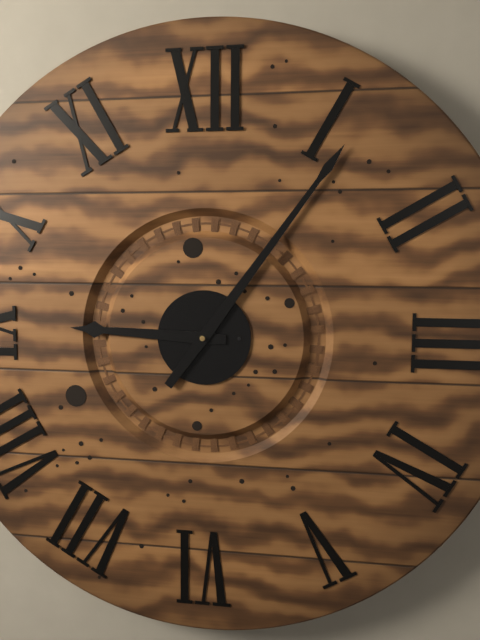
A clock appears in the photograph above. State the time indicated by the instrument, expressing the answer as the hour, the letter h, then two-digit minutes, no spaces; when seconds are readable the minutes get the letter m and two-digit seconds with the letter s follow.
9h06
